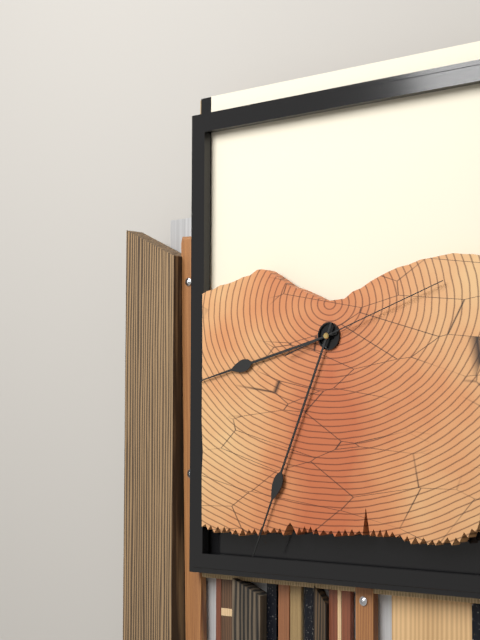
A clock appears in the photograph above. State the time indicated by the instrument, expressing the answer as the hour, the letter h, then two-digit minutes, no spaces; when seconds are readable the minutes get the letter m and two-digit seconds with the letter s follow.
8h34m12s
